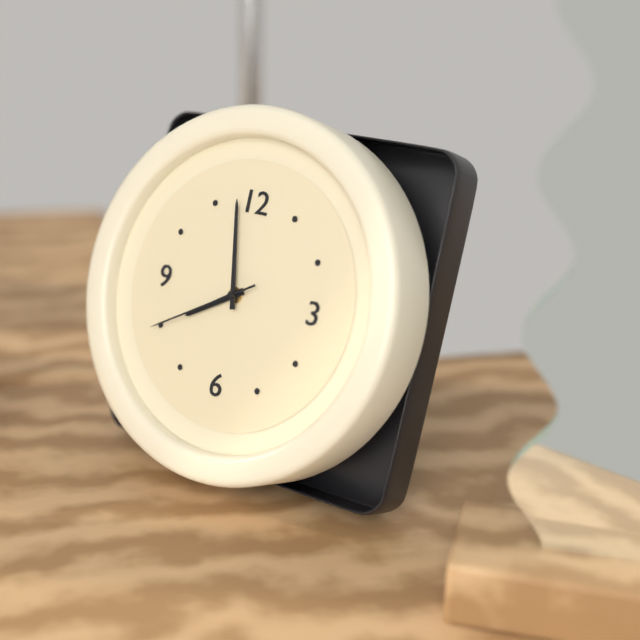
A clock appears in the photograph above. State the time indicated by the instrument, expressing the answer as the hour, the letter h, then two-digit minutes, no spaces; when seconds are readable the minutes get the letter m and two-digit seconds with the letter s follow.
7h58m40s
